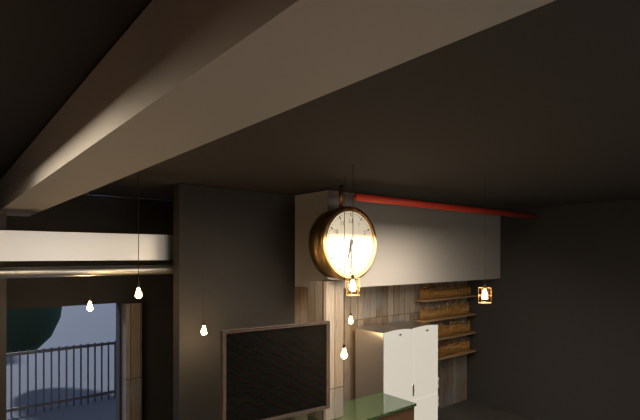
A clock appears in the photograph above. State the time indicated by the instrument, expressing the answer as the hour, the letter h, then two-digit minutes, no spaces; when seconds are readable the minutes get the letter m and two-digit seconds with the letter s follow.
6h30
